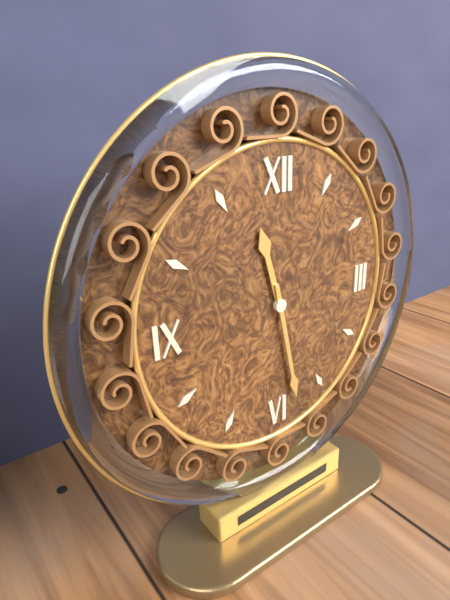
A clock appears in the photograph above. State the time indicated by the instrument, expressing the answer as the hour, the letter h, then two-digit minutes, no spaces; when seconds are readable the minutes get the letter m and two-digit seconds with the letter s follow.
11h28
